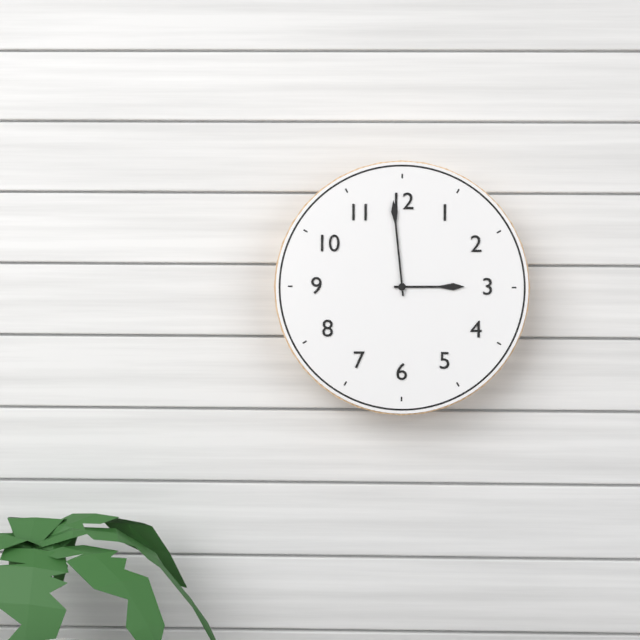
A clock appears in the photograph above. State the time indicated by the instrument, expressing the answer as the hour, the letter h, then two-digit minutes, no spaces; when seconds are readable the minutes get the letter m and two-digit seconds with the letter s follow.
2h59
